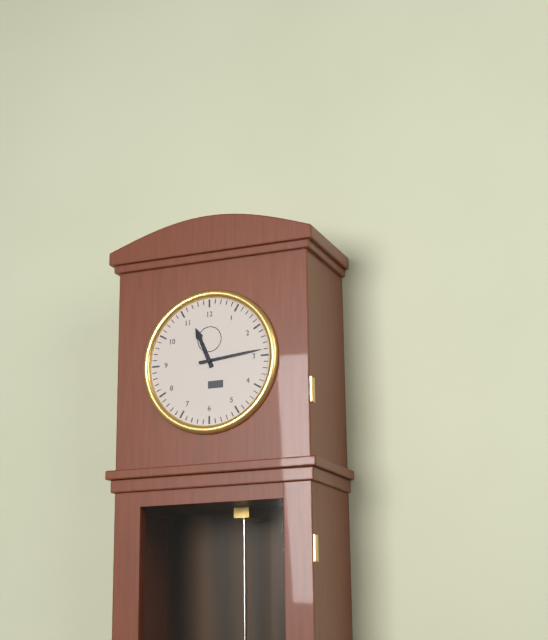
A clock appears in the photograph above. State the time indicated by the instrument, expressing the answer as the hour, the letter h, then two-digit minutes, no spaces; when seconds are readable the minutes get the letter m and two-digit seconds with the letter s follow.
11h14
